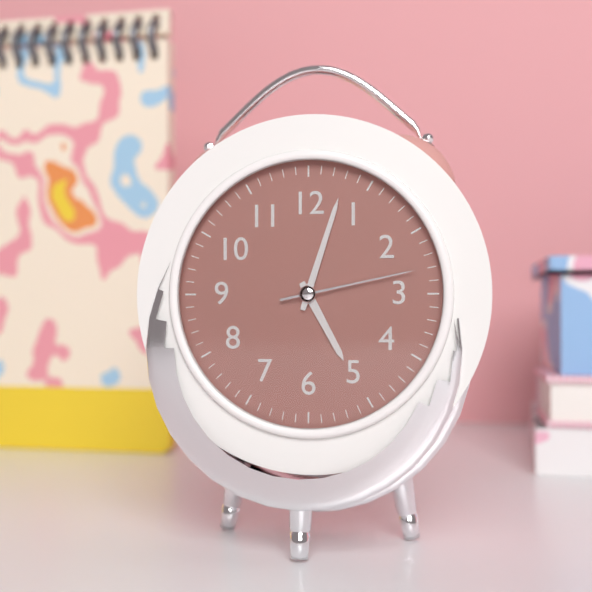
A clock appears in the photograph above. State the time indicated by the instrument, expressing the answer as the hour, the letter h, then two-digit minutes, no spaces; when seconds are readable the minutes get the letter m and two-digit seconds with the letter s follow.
5h03m13s
